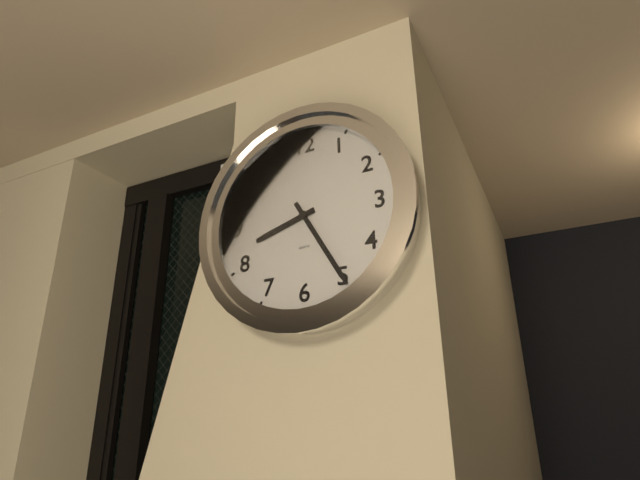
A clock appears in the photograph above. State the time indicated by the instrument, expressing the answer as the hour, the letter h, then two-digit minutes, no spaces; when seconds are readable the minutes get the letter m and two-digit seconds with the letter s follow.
8h25
